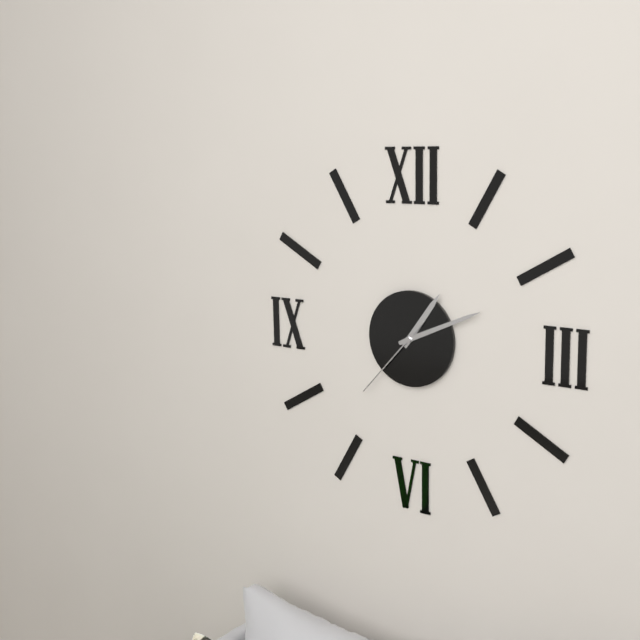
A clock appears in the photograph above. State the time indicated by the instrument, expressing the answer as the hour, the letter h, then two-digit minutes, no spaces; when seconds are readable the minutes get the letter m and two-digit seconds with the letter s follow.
1h11m37s
